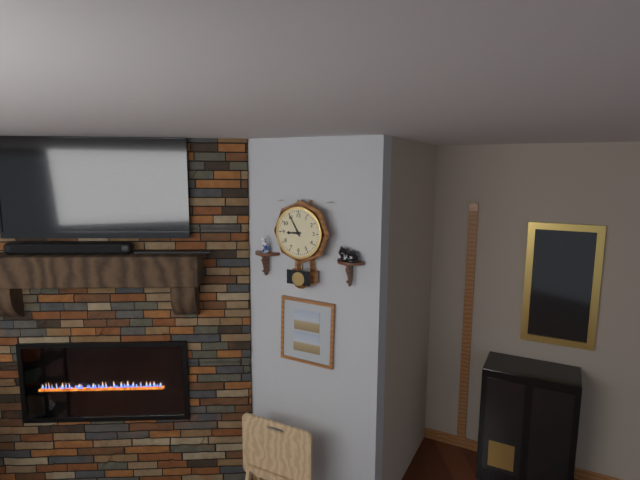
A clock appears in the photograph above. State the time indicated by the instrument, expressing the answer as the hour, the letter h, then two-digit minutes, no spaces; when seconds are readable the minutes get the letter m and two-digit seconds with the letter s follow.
8h55
